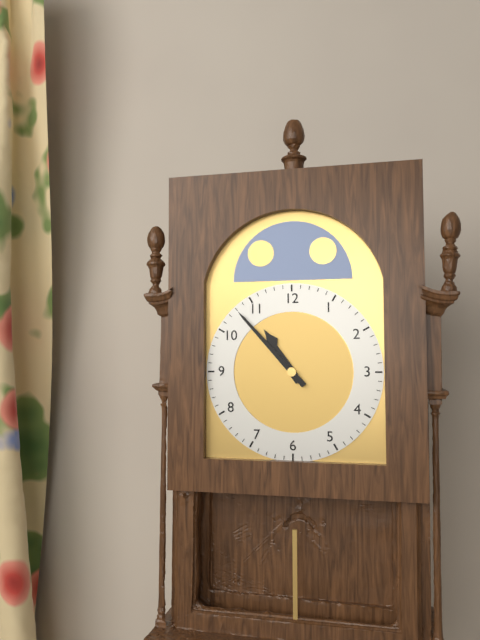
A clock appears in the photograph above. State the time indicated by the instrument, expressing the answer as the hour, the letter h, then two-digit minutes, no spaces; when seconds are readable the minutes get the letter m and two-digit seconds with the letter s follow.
10h53
